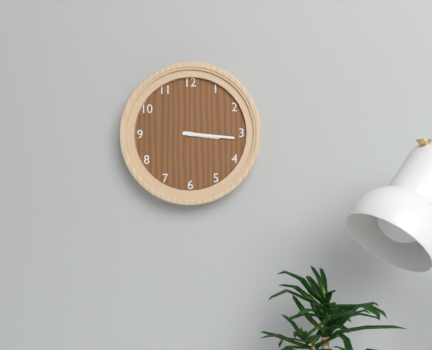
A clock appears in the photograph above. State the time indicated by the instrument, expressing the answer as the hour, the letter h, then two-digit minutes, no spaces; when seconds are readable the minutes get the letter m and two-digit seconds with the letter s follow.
3h16
